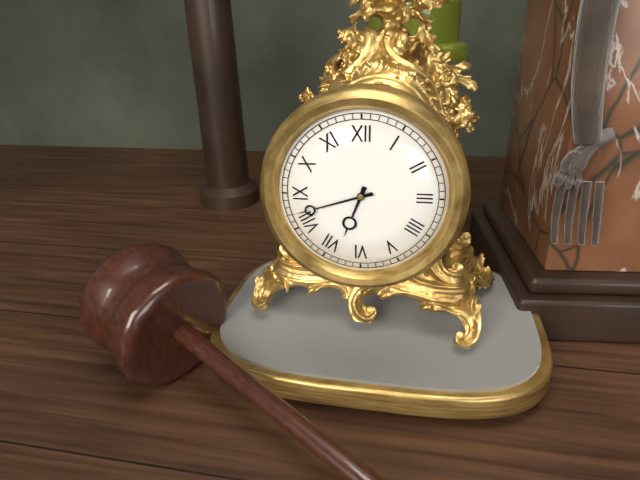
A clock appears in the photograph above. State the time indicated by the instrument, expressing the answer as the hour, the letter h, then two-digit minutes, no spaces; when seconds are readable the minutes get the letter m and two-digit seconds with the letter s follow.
6h42
